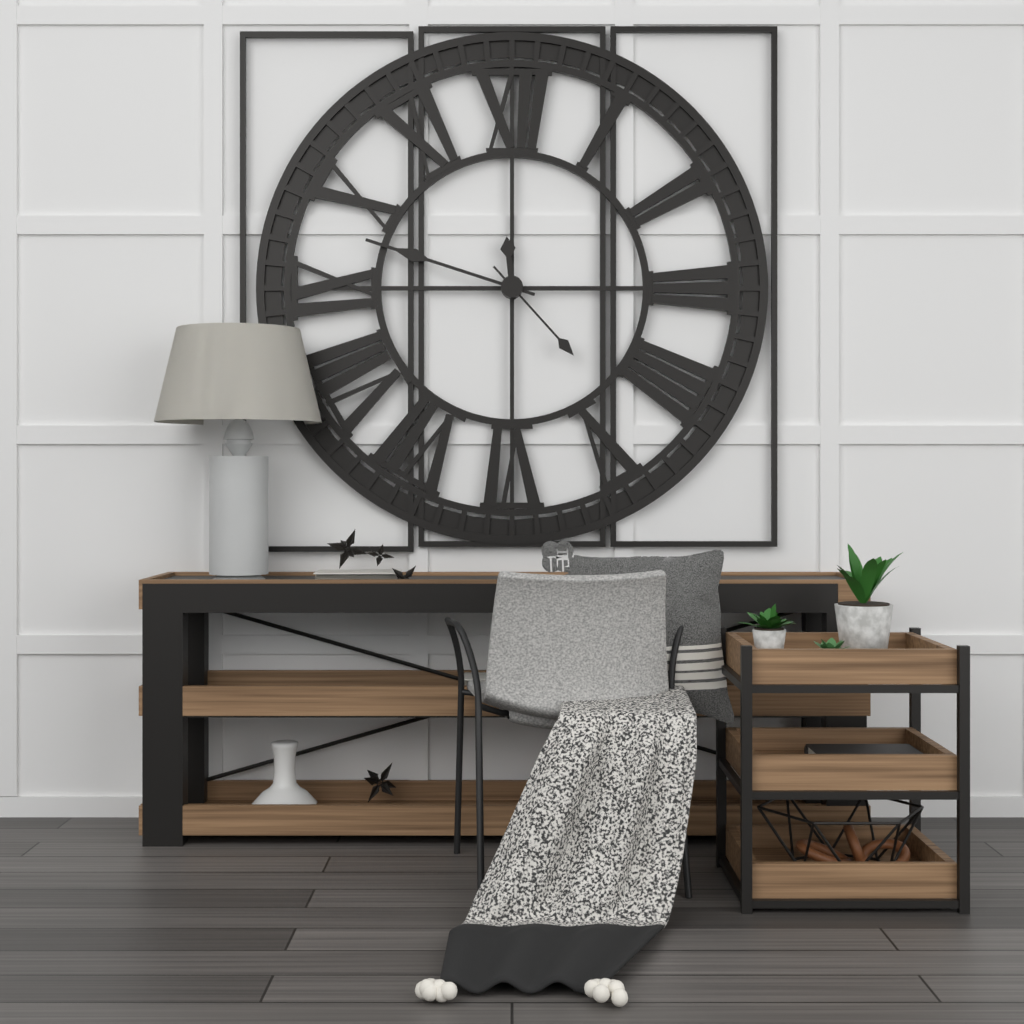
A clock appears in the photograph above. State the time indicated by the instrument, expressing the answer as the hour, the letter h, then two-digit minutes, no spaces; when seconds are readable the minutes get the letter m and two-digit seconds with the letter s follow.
11h48m23s
